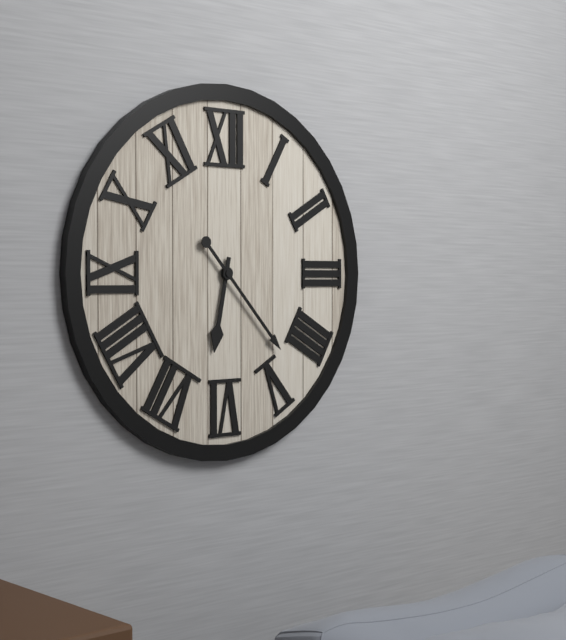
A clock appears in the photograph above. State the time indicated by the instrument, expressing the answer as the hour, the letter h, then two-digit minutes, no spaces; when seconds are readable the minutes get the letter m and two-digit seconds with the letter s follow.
6h23
